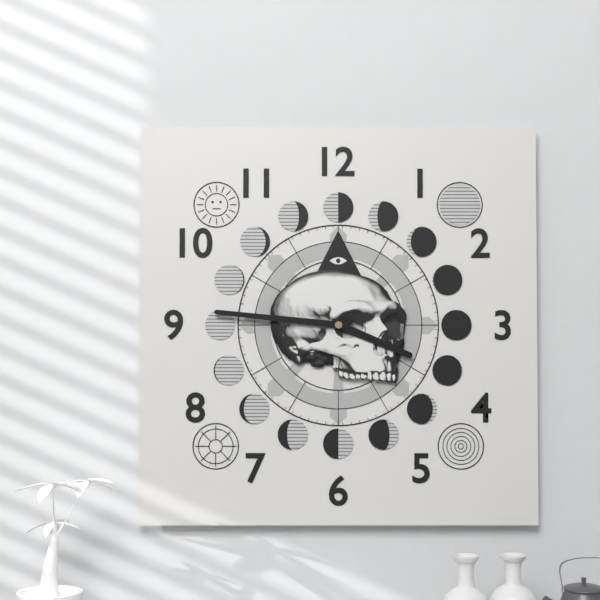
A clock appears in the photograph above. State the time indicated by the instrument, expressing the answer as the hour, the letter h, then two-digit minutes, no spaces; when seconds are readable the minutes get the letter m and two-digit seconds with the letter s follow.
3h46
